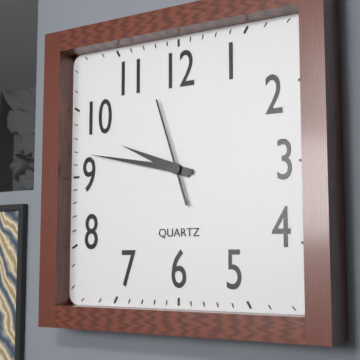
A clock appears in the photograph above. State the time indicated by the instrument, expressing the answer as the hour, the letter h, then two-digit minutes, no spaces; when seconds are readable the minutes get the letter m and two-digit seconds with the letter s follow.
9h47m57s
